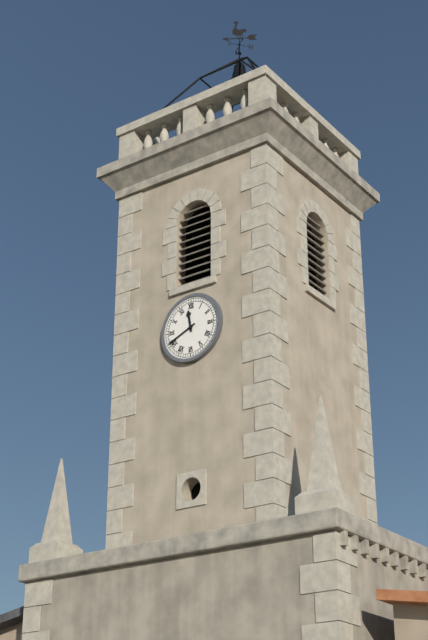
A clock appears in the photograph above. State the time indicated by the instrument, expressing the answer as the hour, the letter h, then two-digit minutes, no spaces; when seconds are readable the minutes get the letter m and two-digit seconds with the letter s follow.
11h41
